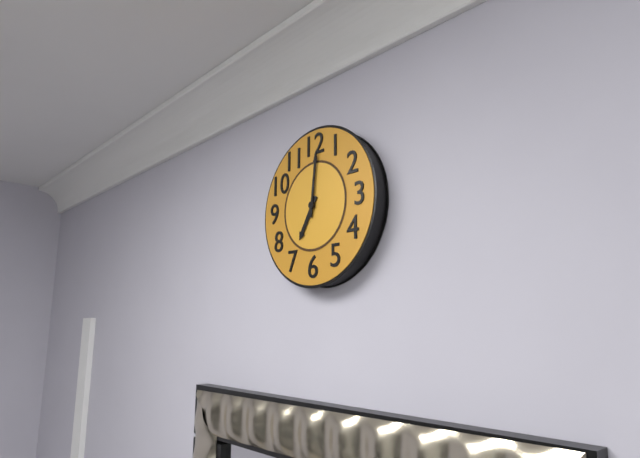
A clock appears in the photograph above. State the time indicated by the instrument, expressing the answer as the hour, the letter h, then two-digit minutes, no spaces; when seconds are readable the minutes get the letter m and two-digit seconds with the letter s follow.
7h01
